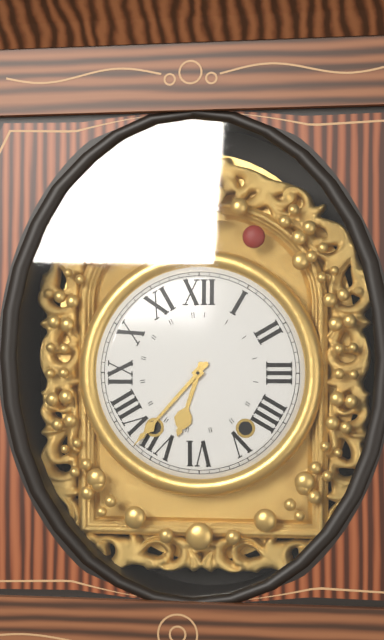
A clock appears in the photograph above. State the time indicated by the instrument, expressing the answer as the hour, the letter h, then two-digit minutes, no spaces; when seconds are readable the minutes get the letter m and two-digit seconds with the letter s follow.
6h37
